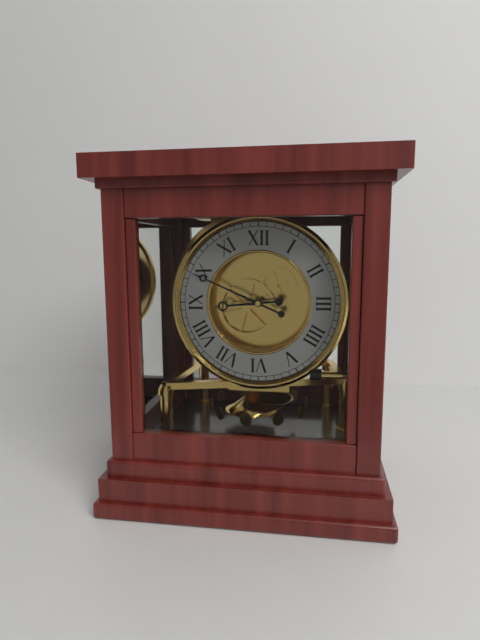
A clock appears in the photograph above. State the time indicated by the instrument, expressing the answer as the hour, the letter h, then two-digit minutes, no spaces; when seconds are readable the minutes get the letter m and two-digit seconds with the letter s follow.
8h49
